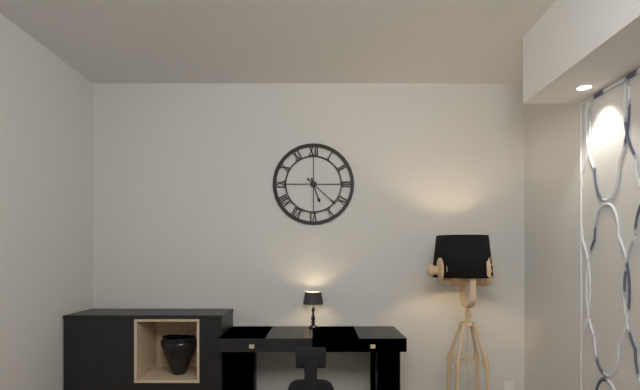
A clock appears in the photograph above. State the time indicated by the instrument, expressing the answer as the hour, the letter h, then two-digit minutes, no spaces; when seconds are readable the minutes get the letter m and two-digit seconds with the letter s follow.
5h22
